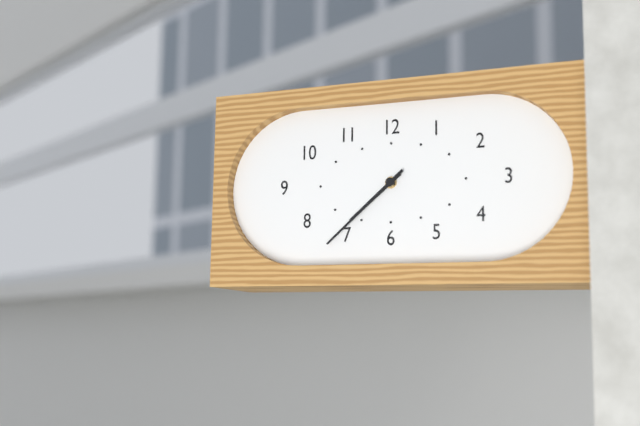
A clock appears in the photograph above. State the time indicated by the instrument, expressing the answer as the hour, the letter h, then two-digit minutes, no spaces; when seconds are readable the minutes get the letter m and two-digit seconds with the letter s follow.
7h38
